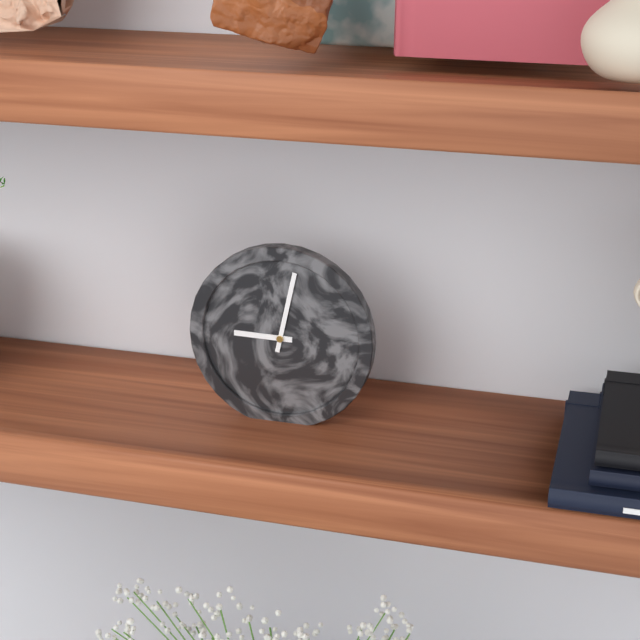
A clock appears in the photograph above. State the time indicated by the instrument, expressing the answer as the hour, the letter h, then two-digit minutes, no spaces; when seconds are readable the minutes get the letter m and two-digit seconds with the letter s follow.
9h02
